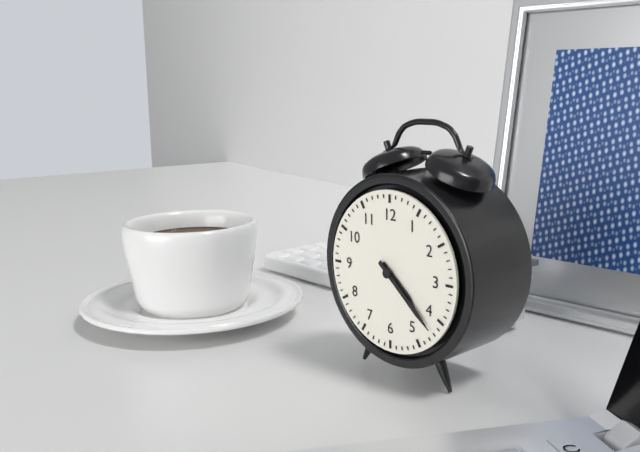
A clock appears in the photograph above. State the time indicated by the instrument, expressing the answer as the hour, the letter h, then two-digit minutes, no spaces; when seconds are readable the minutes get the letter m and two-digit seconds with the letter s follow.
4h22
